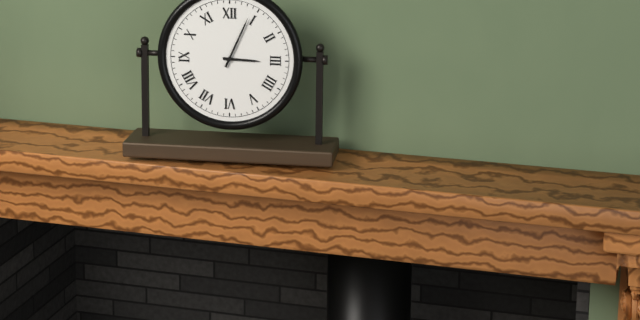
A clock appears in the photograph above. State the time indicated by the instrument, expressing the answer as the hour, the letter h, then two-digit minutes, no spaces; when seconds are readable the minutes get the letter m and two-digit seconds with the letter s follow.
3h04
